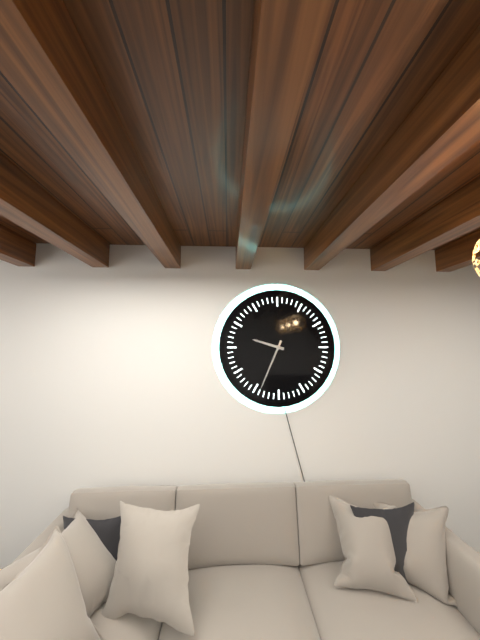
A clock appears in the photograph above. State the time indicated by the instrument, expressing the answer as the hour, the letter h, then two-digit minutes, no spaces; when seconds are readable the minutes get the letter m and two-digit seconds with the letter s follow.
9h34
